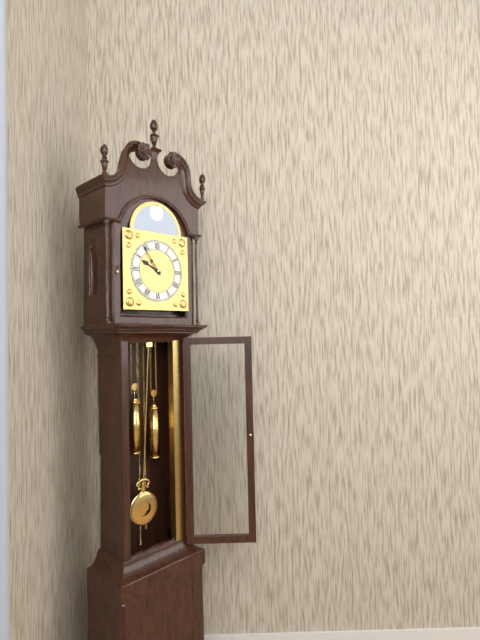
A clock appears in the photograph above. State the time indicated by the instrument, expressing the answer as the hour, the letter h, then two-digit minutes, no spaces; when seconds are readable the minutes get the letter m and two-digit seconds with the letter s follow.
9h54
